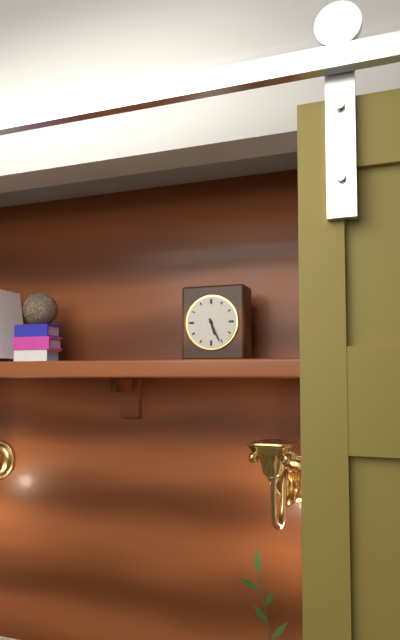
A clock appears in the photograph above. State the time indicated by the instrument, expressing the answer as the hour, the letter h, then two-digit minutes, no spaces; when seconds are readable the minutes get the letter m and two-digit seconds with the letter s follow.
5h26
